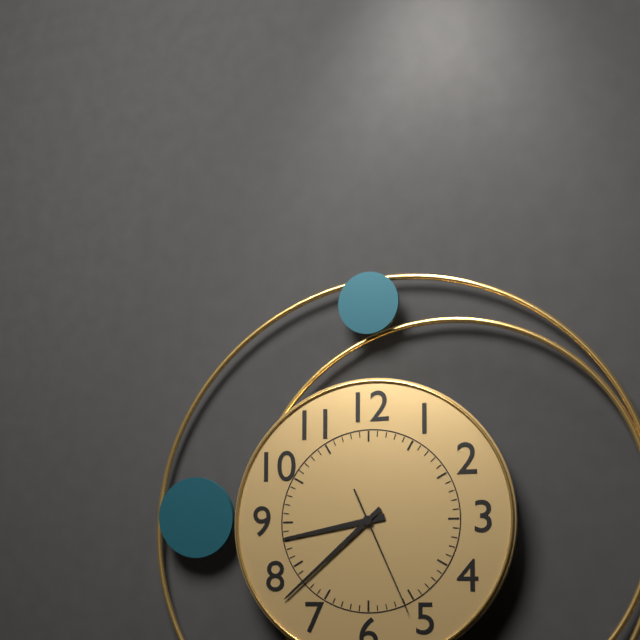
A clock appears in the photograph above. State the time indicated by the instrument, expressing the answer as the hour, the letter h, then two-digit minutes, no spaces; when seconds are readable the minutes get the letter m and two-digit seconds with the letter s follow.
8h38m26s
